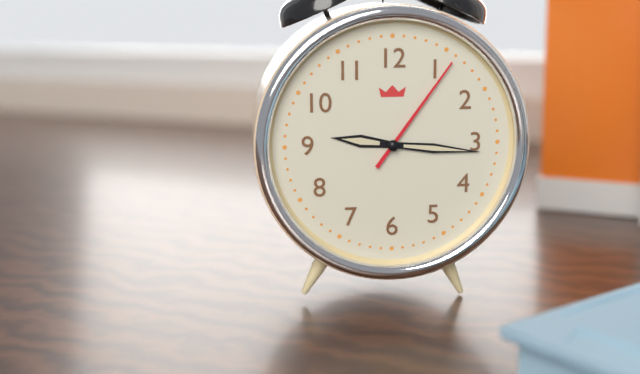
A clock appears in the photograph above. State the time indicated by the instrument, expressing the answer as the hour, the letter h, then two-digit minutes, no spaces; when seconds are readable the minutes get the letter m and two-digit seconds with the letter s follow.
9h16m06s
